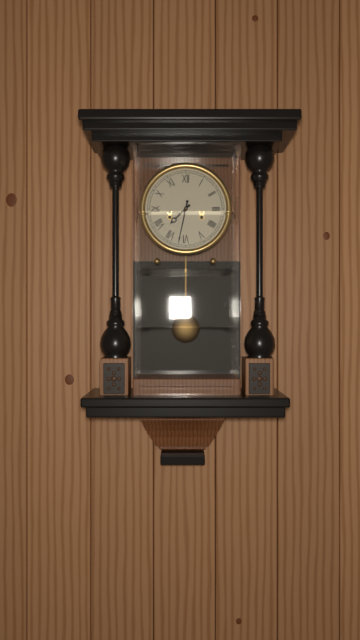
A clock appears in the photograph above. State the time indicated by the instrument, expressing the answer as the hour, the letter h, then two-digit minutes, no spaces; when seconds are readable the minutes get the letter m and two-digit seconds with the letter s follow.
7h32
